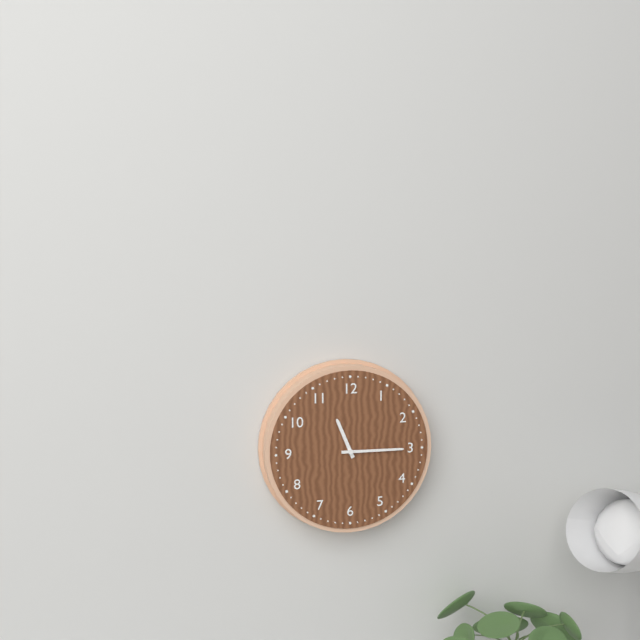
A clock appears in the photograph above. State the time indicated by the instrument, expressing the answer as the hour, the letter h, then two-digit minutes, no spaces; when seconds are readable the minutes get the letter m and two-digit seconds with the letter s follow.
11h15
